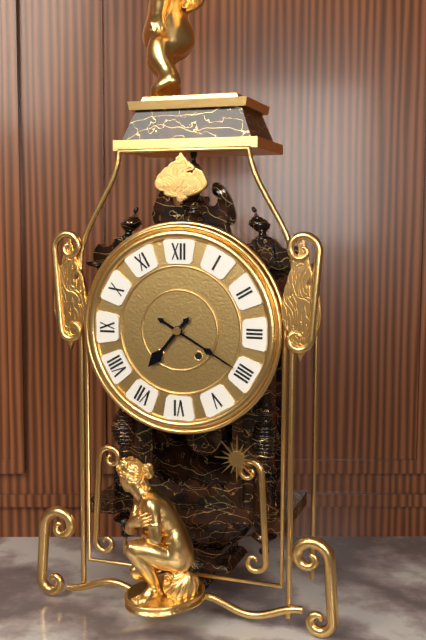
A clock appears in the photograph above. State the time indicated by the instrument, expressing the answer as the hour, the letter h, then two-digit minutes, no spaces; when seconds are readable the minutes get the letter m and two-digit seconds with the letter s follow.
7h20
